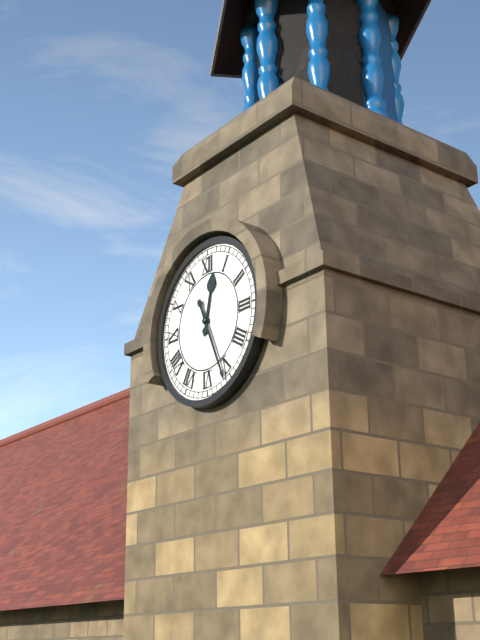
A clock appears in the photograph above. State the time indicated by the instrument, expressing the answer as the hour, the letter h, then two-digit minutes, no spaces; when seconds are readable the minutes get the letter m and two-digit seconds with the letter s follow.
12h26
